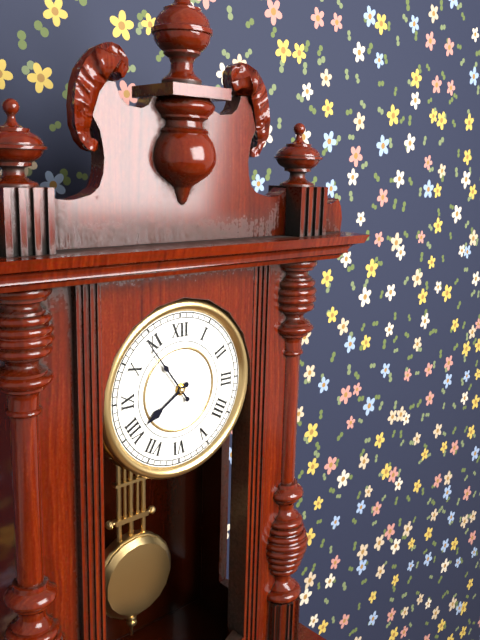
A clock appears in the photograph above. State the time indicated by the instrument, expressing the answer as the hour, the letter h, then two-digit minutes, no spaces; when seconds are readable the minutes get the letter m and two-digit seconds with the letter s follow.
7h54
